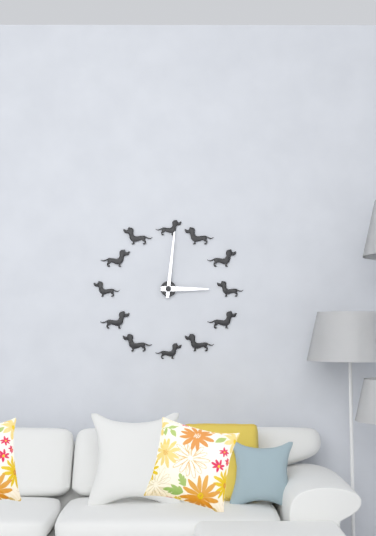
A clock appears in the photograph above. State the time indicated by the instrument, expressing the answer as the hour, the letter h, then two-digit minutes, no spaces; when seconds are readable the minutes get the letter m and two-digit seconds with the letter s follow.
3h01
